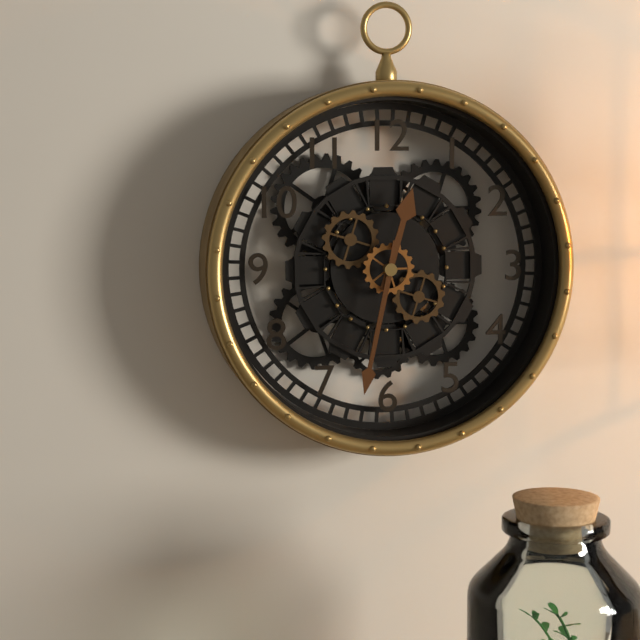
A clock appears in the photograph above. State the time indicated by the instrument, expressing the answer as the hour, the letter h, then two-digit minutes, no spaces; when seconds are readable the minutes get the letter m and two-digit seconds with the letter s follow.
12h32
